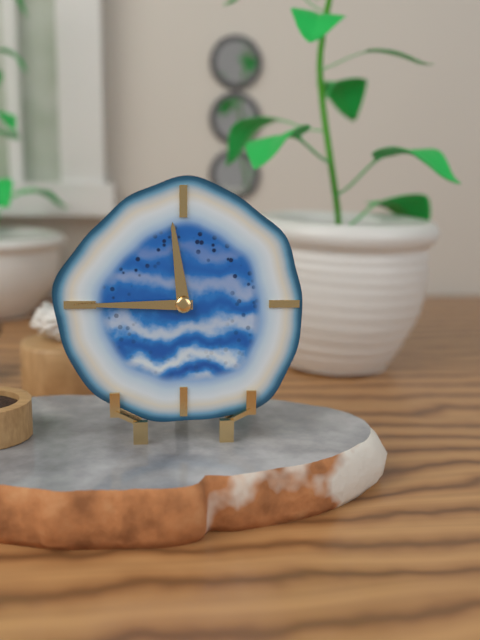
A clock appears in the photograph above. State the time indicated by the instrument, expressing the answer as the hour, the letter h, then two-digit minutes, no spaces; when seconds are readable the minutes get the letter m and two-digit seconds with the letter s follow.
11h45
